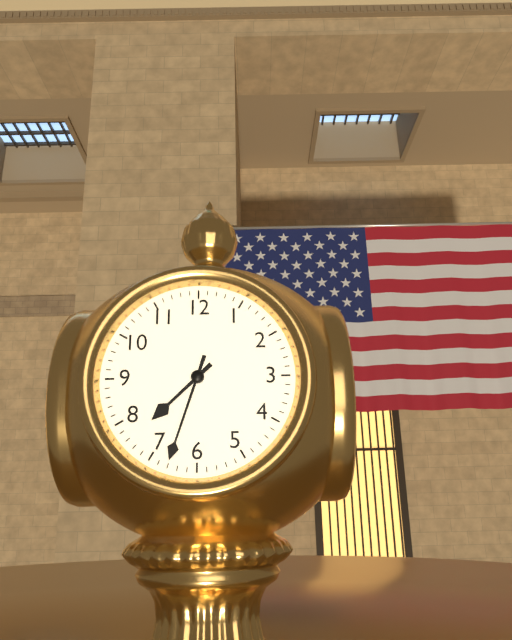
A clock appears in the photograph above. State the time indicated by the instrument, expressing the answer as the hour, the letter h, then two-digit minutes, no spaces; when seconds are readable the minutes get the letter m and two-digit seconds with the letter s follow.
7h33
